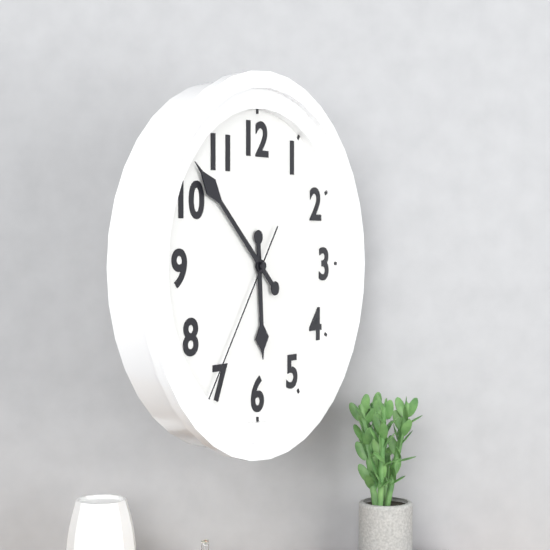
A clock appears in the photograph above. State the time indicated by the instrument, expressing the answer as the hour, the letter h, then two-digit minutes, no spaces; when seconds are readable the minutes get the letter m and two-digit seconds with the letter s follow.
5h52m36s
